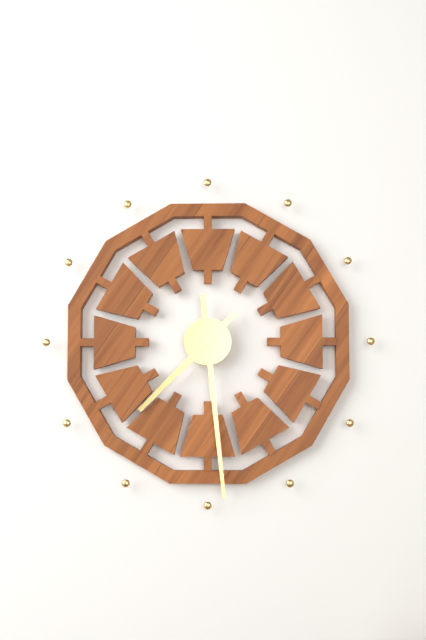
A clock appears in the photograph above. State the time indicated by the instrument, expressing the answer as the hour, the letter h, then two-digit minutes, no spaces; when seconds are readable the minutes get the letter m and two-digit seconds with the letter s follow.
7h29
